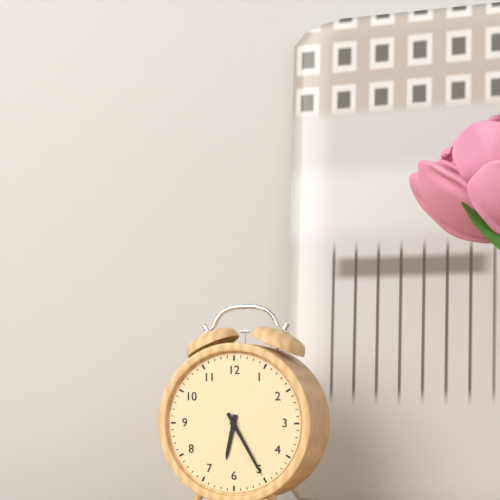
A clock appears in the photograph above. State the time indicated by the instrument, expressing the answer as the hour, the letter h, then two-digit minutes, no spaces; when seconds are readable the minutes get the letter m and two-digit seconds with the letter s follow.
6h25
